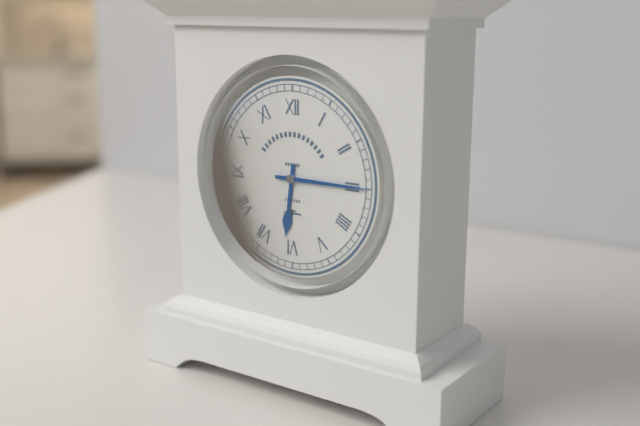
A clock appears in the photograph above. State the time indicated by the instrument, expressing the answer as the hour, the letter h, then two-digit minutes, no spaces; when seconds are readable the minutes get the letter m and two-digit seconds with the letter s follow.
6h15
